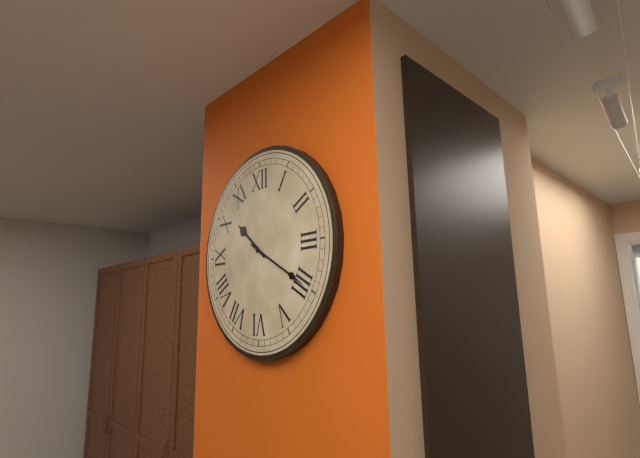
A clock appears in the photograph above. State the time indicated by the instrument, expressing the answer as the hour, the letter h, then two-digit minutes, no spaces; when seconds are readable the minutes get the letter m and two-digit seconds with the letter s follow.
10h20
